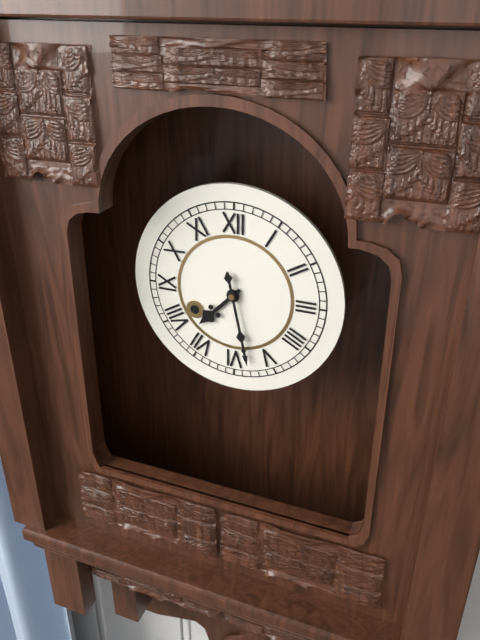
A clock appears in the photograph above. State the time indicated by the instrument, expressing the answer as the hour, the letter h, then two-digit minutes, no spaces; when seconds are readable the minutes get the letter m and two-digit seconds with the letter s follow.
7h28
